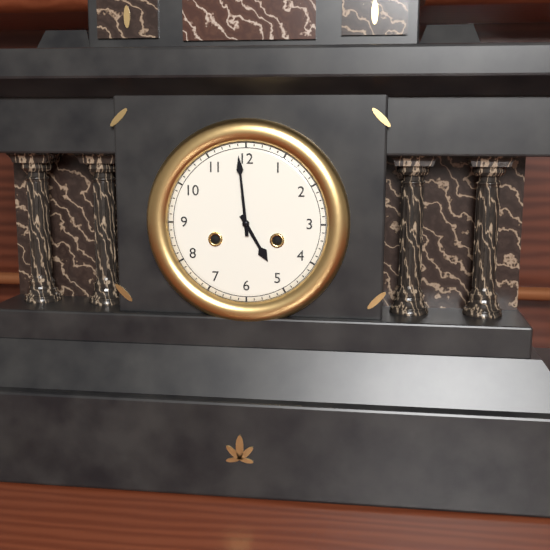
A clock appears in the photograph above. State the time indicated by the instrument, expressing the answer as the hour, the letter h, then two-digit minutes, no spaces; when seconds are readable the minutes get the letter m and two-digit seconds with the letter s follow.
4h59
